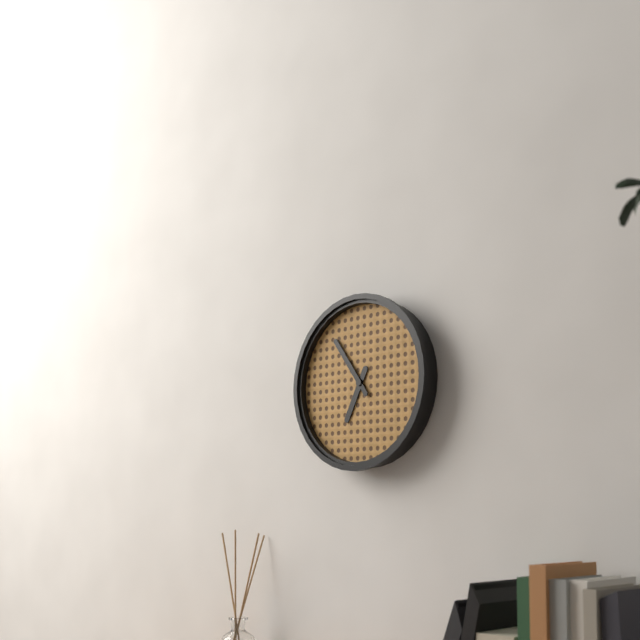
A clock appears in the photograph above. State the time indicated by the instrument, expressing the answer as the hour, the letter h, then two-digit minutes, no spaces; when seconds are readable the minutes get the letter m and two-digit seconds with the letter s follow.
6h54
